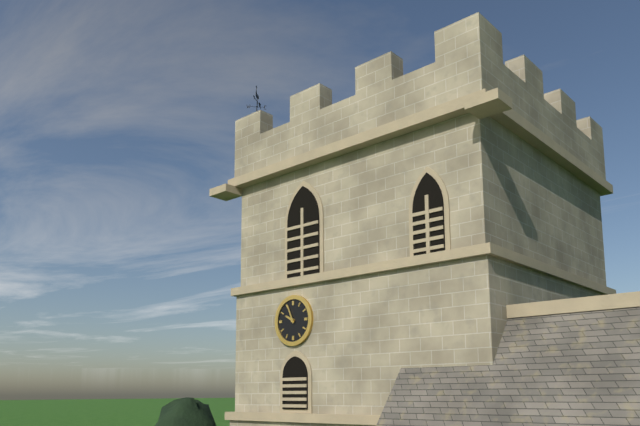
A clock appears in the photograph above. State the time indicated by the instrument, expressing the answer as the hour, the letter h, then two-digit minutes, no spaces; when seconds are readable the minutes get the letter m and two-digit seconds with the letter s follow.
9h56
